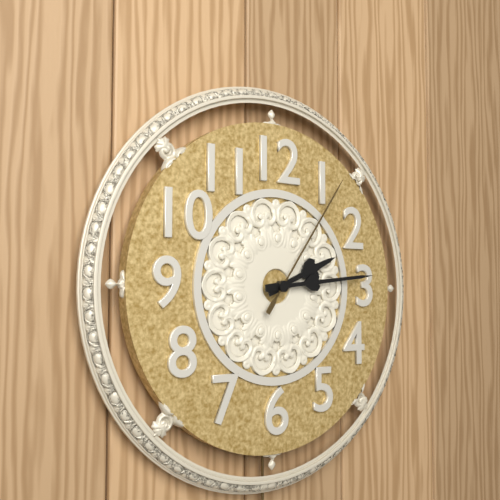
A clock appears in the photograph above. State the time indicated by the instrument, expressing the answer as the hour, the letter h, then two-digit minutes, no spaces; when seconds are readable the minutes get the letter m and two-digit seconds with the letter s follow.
2h14m06s
